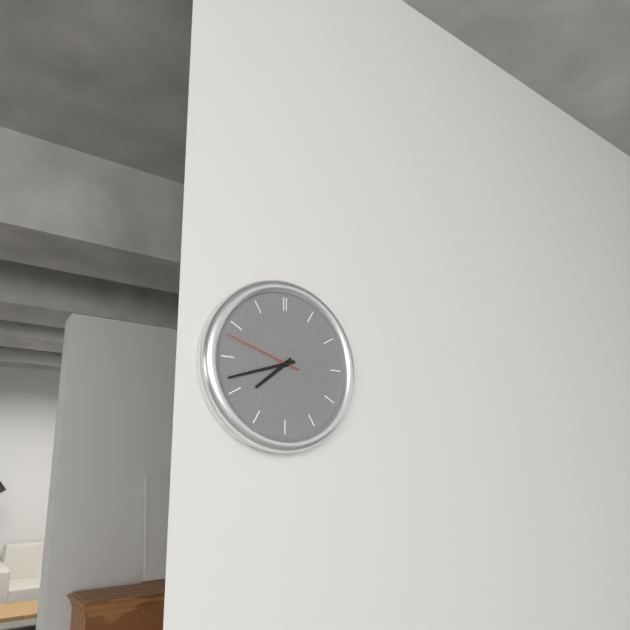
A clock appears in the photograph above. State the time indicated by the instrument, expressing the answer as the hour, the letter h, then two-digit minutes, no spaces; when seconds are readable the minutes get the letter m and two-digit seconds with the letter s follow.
7h42m48s
